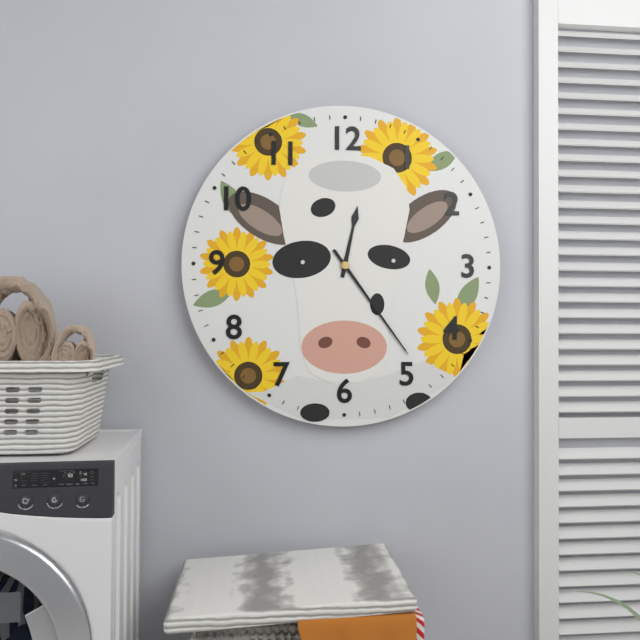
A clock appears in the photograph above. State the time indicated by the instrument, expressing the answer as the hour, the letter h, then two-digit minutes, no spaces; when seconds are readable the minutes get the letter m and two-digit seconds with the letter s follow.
12h24
